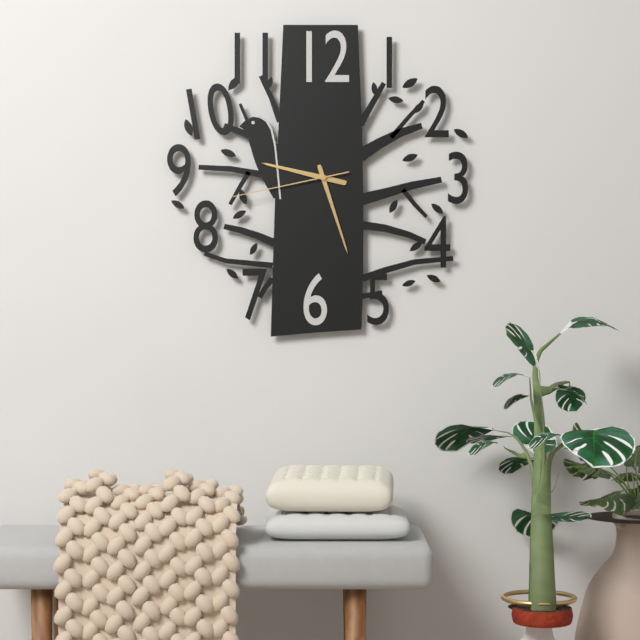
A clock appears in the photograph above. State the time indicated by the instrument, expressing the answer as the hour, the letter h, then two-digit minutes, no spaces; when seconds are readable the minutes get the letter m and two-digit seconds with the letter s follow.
9h27m43s
